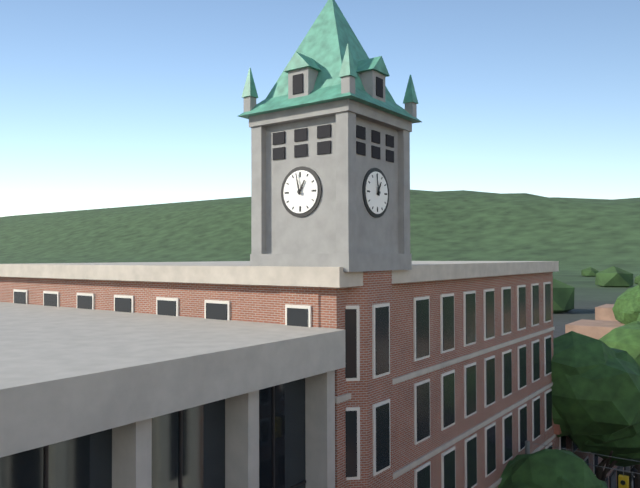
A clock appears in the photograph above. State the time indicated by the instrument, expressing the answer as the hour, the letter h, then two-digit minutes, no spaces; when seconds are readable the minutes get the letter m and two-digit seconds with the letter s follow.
12h58
